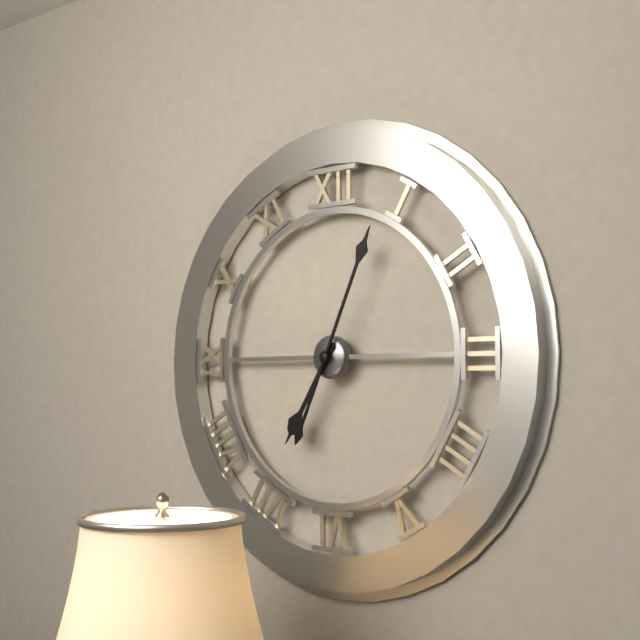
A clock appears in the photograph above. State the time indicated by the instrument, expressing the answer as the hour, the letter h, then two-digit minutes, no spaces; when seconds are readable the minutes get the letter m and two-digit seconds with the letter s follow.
7h04
